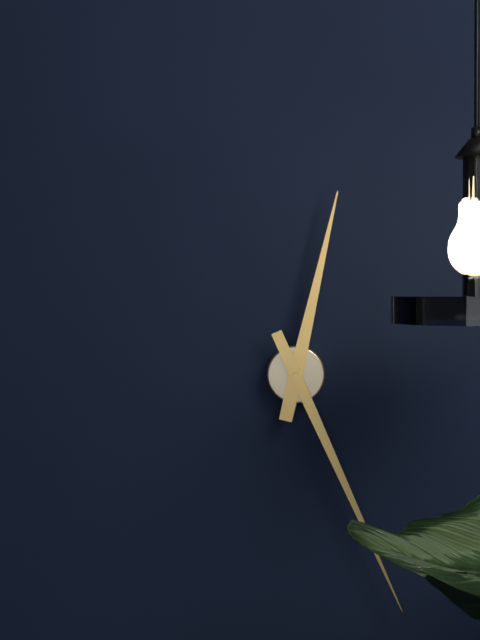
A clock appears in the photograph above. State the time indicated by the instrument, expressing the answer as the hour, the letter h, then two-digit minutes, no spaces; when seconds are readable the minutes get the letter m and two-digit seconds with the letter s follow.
12h26
